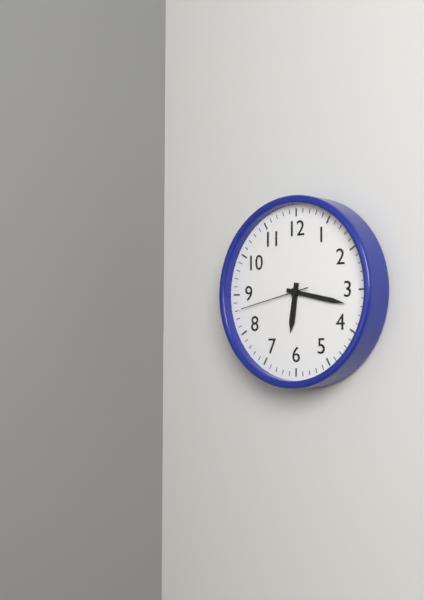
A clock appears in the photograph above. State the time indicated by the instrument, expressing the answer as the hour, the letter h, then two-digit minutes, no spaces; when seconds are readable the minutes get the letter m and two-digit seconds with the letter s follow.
6h17m43s
